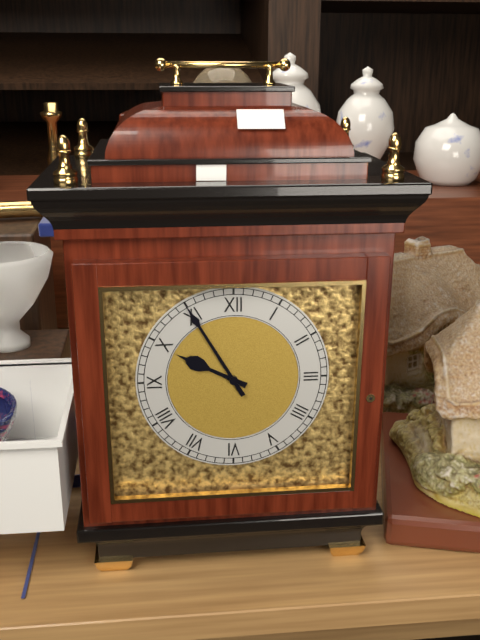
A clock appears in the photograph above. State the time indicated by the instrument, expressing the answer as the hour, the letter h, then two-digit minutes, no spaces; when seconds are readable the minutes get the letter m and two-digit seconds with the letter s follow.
9h55
